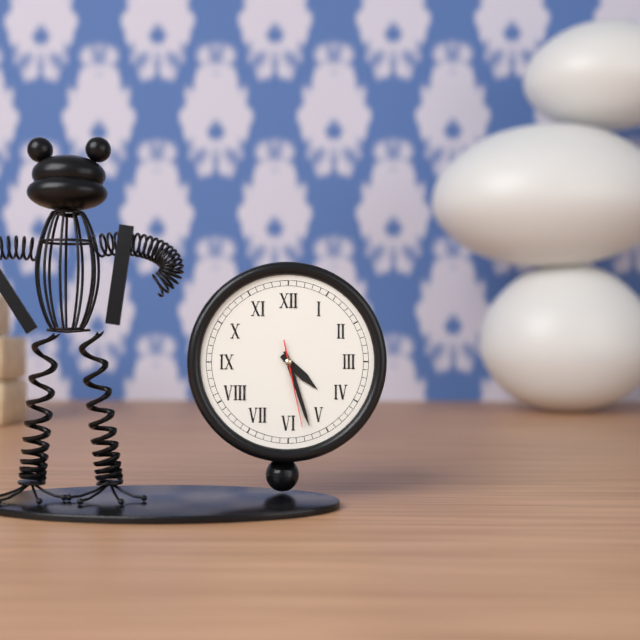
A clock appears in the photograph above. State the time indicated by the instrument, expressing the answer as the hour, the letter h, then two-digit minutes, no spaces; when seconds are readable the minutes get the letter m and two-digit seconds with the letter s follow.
4h27m28s
